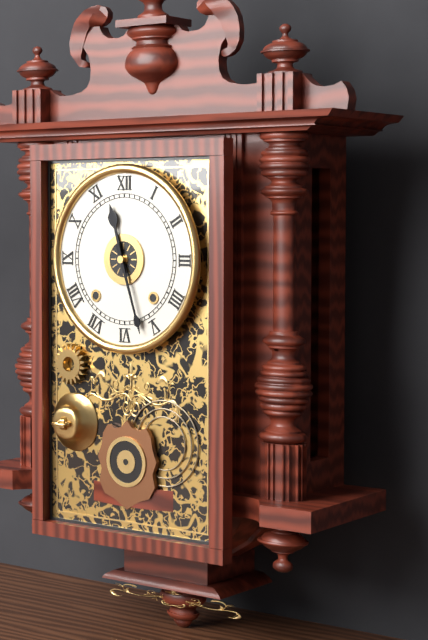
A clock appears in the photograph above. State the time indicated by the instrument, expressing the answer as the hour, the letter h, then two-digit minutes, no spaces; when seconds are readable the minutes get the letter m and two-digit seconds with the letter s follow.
11h27
